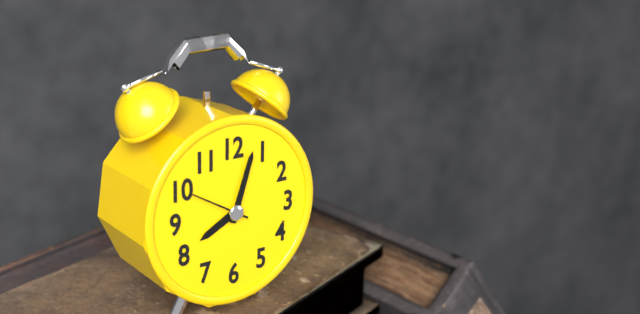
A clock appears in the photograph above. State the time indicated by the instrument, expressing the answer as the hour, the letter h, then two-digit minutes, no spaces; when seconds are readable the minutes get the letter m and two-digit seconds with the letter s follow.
8h03m50s
